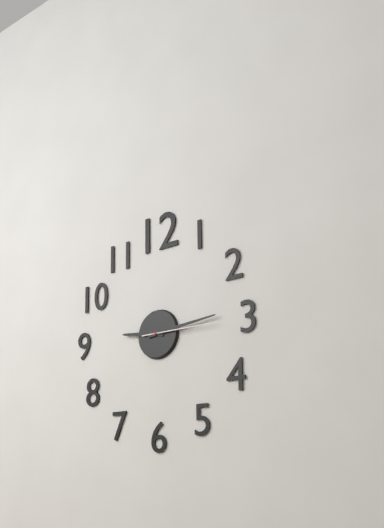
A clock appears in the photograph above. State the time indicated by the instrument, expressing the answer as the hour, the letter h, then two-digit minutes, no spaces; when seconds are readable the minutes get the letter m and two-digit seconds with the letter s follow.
9h14m15s
